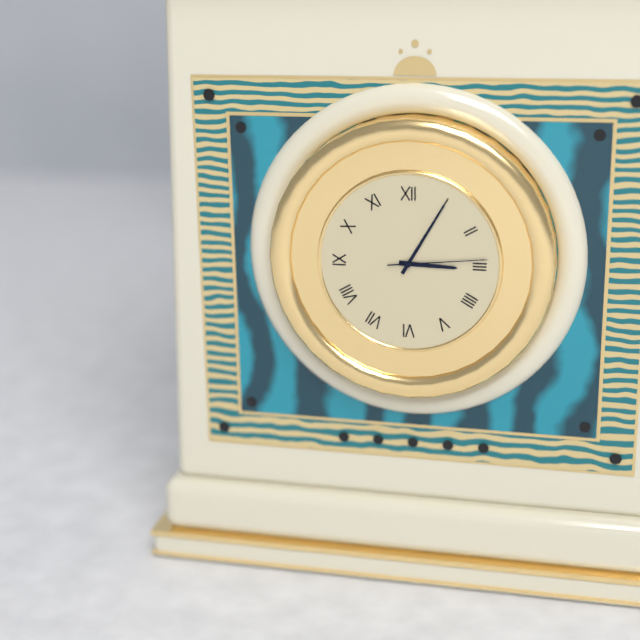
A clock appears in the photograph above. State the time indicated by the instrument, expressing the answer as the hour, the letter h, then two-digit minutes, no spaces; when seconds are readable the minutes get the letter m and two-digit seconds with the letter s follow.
3h05m14s
